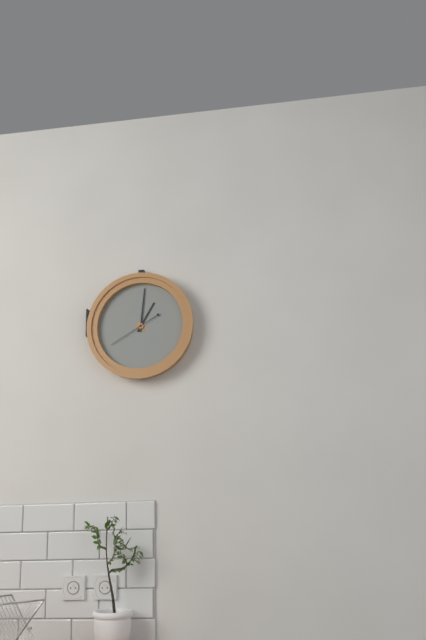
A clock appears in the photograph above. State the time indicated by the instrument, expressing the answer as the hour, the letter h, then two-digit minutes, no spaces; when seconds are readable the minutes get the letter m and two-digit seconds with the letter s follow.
1h01
